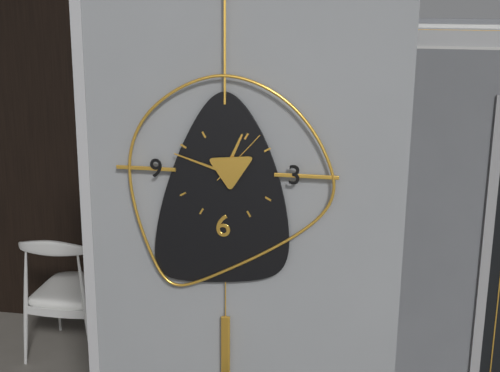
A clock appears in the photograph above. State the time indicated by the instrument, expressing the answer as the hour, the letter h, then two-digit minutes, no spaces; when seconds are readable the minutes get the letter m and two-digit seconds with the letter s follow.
12h48m07s
